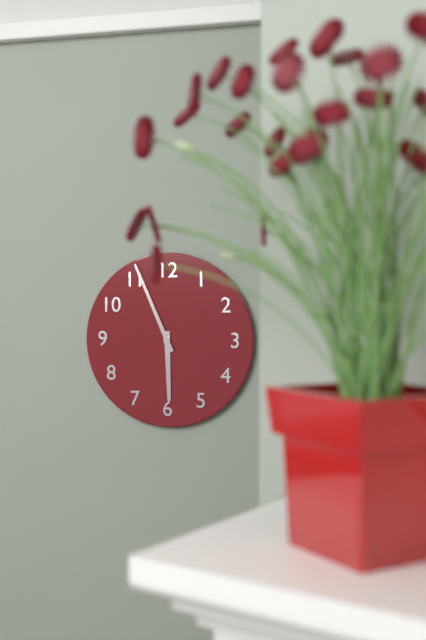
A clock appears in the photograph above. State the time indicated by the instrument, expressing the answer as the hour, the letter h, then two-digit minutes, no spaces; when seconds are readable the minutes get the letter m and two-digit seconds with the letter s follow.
5h56
